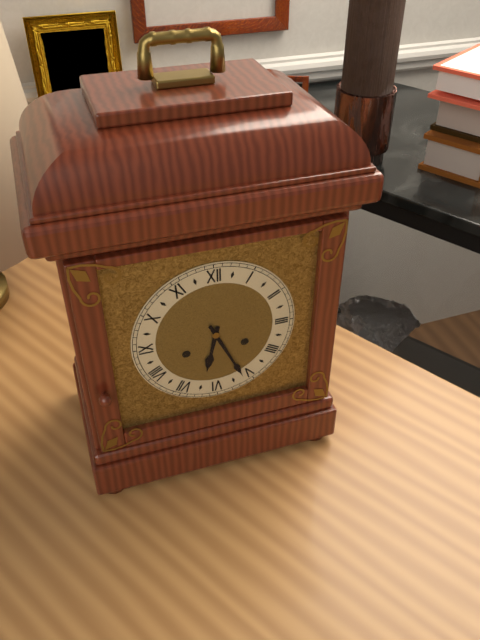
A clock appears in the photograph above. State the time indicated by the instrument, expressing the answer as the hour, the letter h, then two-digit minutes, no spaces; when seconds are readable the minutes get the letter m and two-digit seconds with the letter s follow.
6h26
